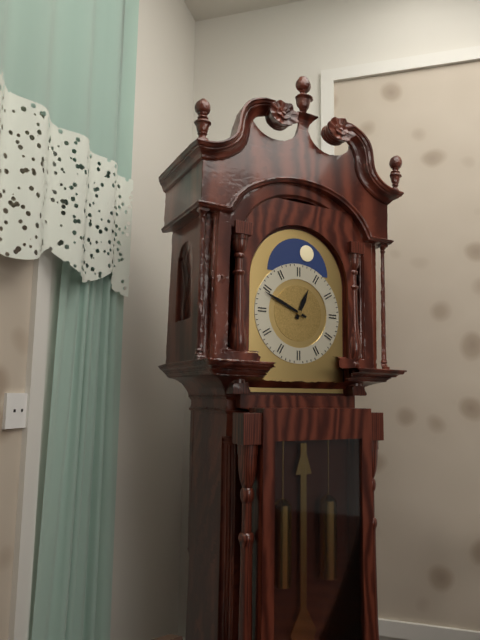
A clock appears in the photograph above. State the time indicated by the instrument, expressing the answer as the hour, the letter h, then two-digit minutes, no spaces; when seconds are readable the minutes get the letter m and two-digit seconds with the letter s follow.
12h49
